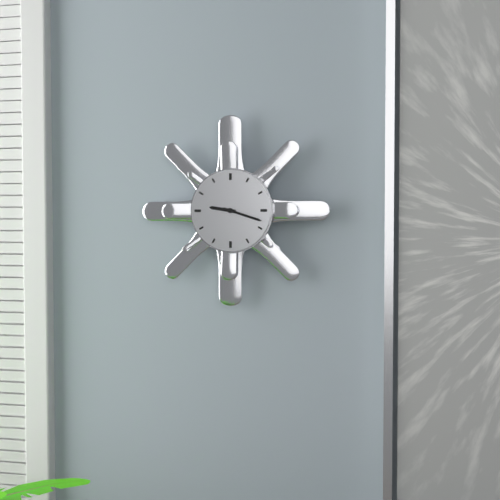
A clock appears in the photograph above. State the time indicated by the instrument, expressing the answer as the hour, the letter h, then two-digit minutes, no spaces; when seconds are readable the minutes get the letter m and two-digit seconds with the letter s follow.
9h18
